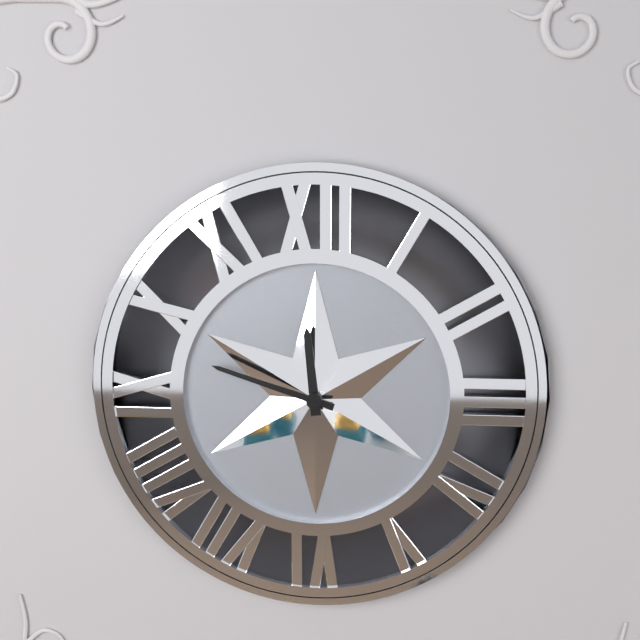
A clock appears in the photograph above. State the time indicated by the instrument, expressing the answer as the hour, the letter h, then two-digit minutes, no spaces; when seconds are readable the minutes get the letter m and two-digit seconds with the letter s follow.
11h48
